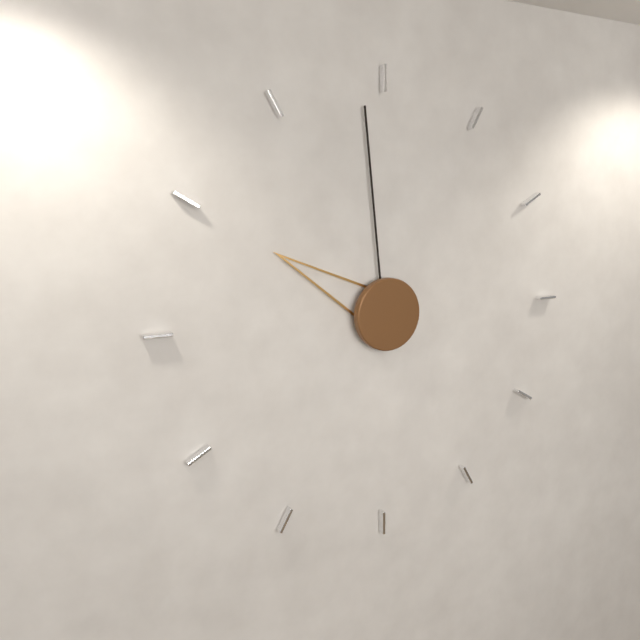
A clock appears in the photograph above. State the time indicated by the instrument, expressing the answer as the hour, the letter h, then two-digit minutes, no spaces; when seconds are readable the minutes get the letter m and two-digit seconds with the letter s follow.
9h59
